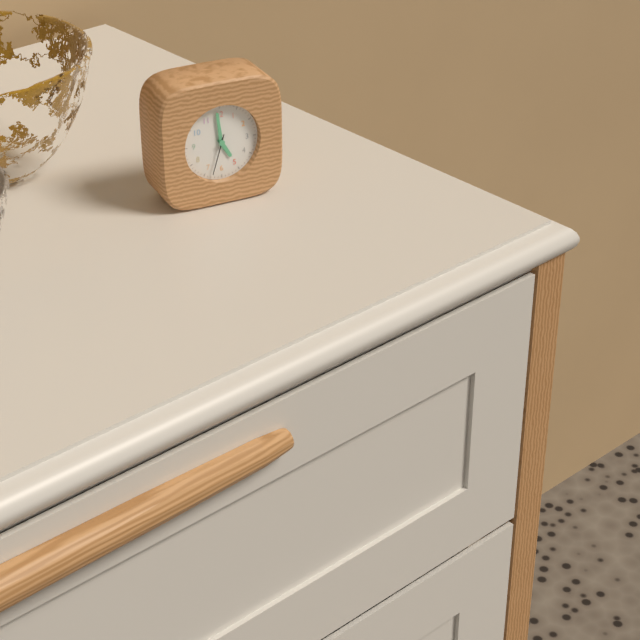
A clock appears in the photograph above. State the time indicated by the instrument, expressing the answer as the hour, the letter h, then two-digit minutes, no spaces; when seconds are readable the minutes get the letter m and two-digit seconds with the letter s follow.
4h59
